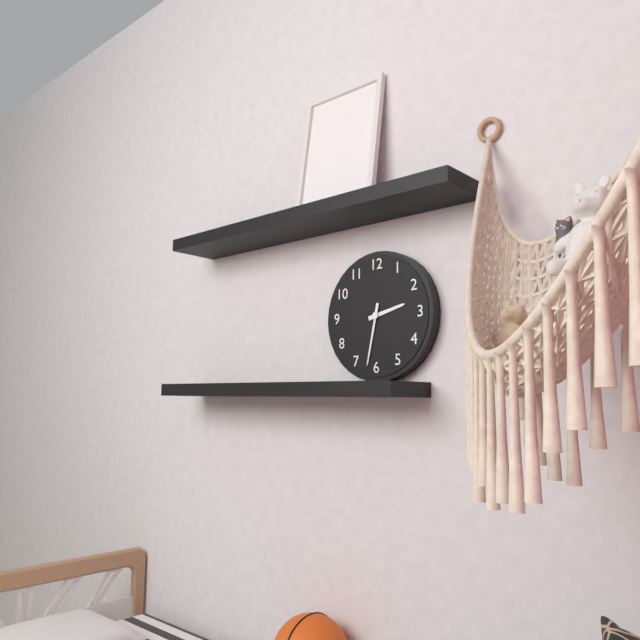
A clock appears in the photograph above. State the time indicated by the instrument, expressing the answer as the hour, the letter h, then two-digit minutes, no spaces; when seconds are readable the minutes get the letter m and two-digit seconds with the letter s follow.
2h32
